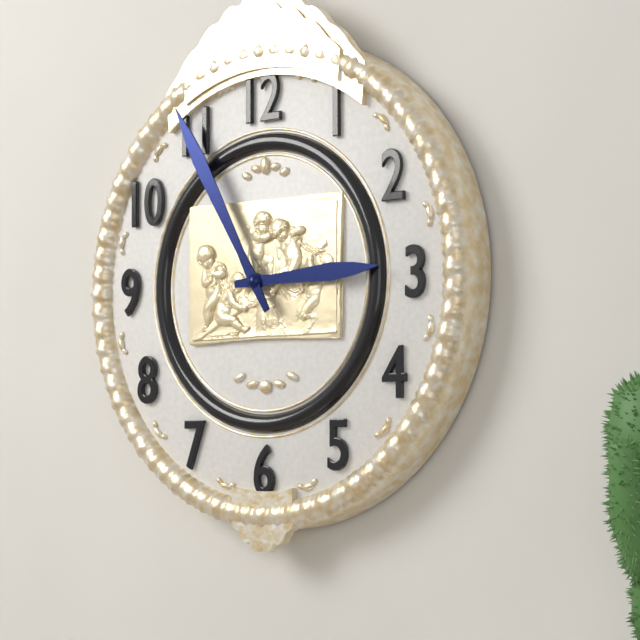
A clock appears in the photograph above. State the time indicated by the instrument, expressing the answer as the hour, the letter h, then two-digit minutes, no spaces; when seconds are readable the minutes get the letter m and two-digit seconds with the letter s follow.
2h55
